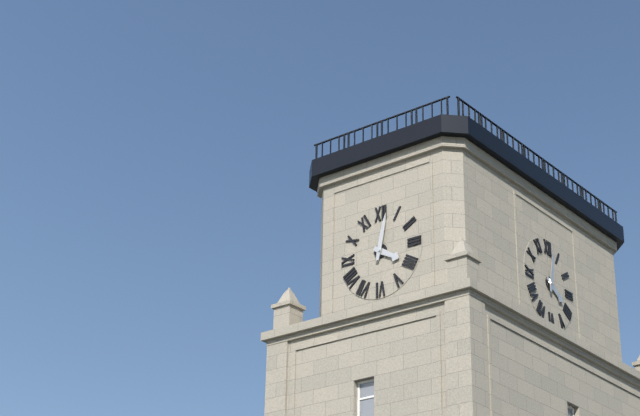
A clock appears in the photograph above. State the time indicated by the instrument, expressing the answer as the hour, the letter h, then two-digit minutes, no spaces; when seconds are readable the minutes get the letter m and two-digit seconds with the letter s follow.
4h02
